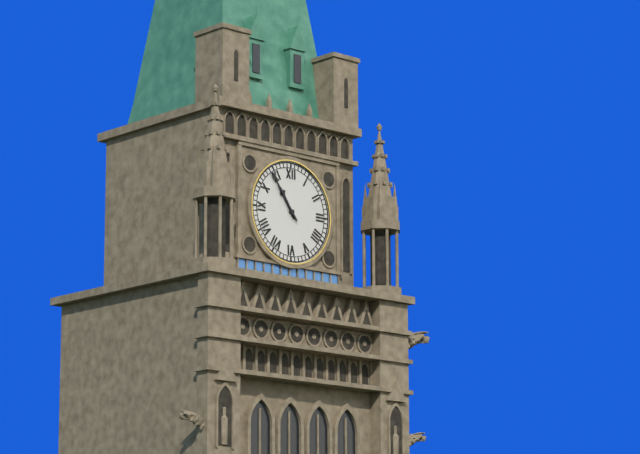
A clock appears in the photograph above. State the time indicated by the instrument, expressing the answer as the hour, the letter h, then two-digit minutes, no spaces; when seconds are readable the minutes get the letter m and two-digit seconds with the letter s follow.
10h54
